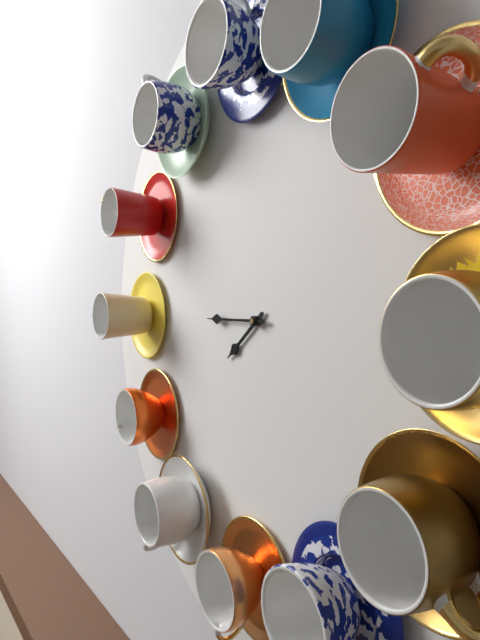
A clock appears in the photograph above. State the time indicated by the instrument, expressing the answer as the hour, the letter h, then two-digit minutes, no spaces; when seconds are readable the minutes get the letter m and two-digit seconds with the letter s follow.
7h45
